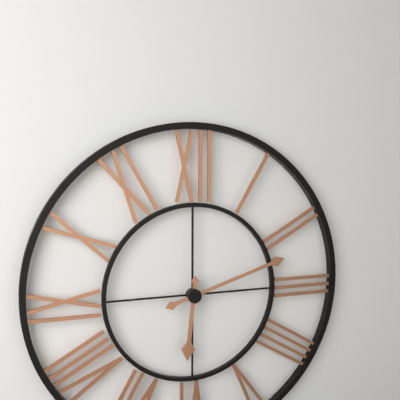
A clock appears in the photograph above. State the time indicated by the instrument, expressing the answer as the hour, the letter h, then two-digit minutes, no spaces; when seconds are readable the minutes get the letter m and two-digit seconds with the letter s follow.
6h12
